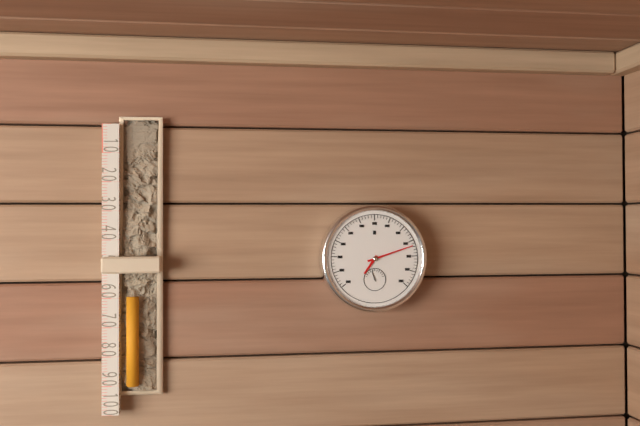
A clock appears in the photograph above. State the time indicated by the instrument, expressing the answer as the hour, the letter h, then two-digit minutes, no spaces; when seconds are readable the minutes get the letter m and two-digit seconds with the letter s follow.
7h12
